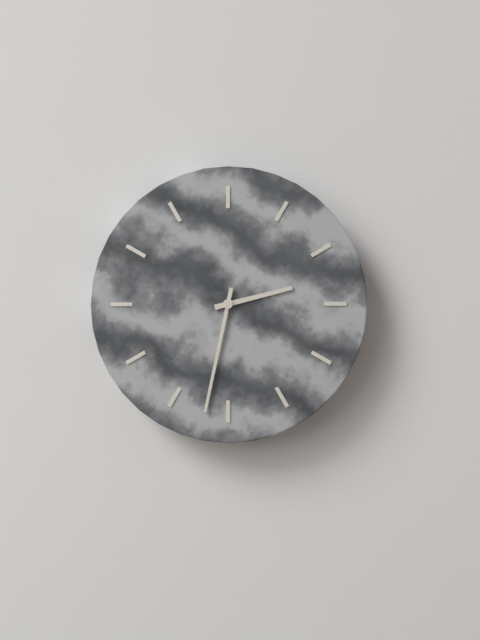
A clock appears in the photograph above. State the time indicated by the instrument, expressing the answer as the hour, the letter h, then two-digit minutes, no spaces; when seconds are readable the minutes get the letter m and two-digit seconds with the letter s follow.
2h32
